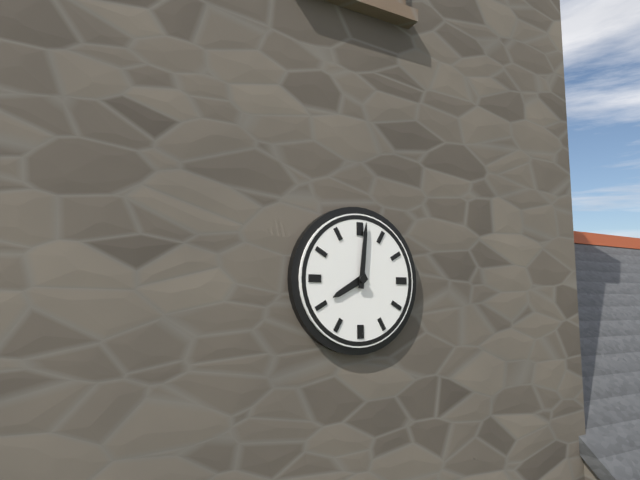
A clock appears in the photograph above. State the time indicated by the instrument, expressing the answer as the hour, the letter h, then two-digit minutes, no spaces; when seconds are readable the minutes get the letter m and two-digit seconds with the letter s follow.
8h01
